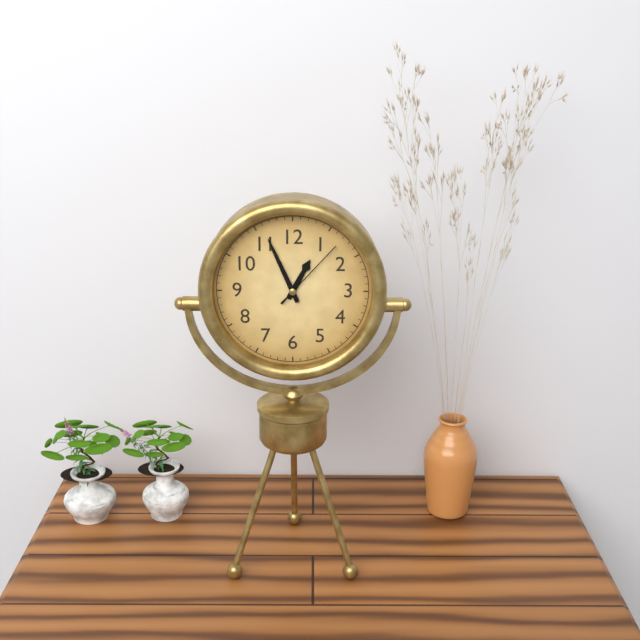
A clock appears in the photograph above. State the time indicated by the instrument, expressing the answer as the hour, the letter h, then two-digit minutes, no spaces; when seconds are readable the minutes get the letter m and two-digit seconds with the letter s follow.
12h56m07s
